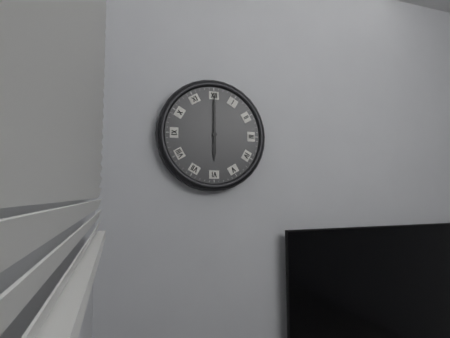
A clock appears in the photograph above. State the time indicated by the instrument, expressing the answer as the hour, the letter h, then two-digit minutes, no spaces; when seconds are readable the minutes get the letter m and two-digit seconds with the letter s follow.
6h00
